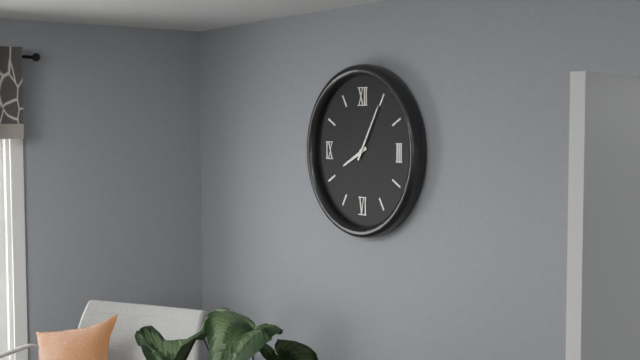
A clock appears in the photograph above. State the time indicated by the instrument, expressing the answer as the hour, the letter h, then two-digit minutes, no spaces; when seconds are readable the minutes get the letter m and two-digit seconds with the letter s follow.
8h05
